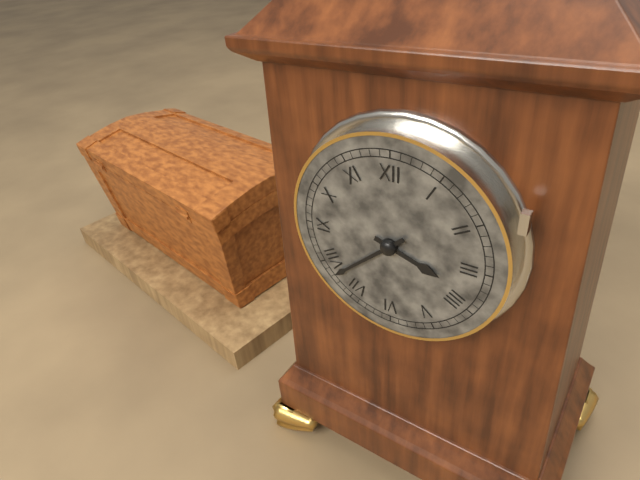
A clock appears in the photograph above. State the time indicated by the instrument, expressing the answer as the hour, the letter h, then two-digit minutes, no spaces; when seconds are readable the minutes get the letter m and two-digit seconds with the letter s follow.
3h38
